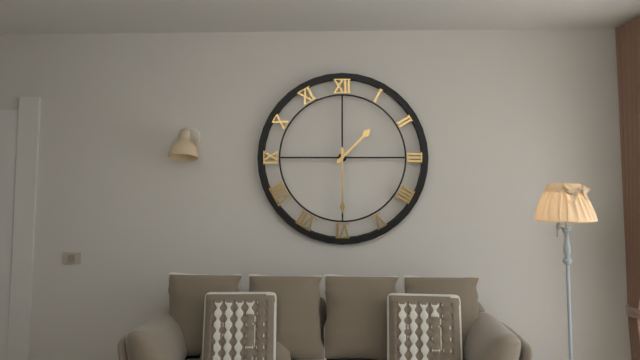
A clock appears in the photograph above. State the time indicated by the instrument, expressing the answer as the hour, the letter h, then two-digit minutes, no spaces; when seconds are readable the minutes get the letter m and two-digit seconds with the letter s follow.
1h30
